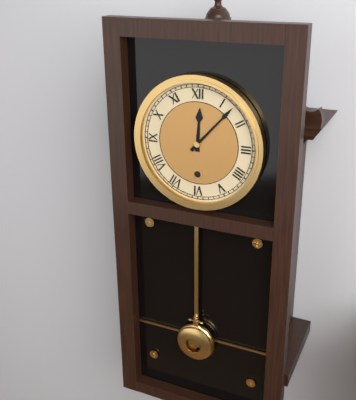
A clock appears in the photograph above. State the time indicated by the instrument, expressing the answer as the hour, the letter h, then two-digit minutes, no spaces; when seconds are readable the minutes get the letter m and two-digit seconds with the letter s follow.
12h07
